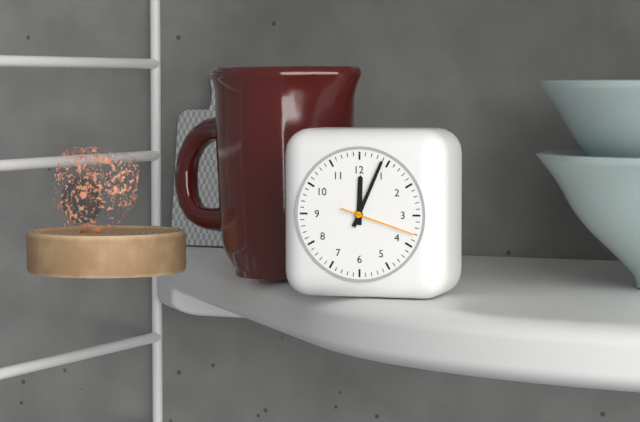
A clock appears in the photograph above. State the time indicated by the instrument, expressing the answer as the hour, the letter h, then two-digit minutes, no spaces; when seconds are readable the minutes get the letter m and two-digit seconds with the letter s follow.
12h04m18s
